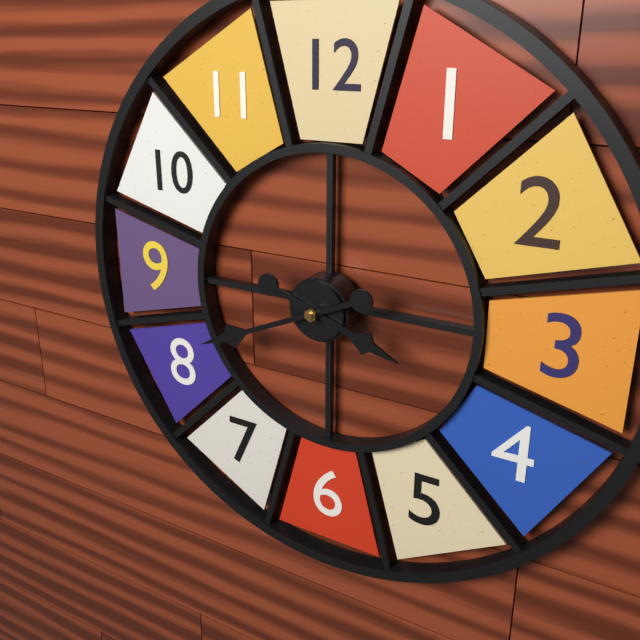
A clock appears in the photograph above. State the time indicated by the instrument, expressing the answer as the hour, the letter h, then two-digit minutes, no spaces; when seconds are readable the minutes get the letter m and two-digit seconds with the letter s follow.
3h41
